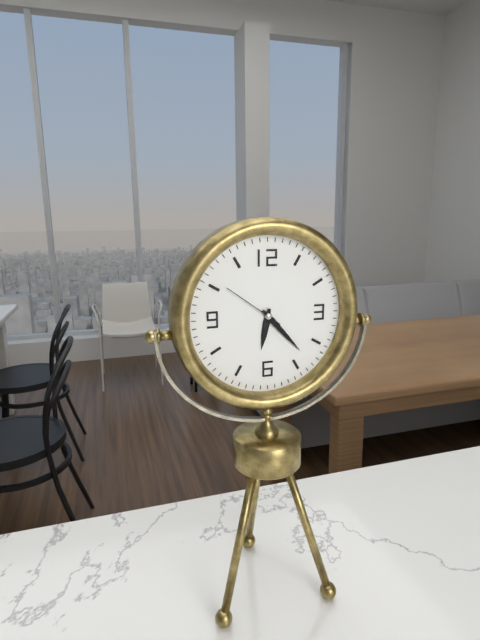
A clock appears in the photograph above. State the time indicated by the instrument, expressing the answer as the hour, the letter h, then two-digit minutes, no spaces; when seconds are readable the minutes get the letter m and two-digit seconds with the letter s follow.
6h23m51s
